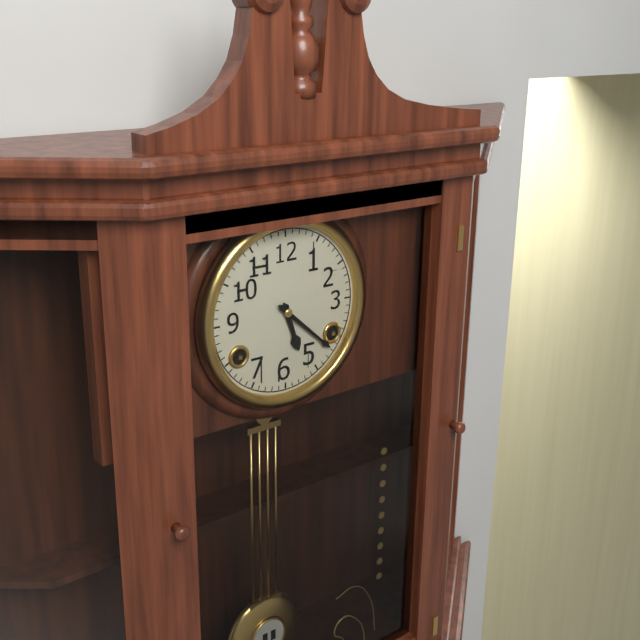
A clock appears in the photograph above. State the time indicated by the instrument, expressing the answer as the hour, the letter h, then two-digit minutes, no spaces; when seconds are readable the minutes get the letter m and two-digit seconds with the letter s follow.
5h22
